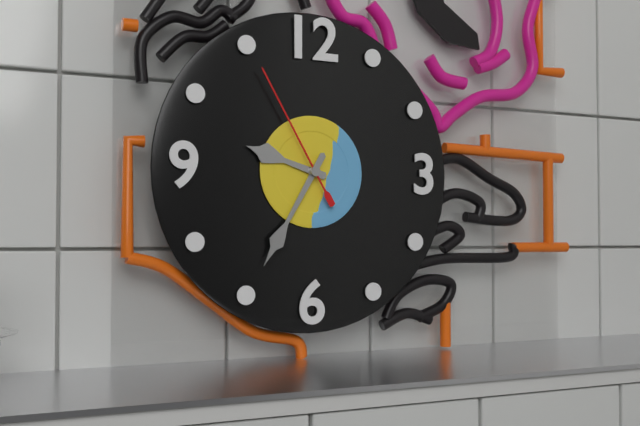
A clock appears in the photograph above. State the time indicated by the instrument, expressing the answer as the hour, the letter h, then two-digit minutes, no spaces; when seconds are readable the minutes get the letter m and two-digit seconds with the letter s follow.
9h35m55s
